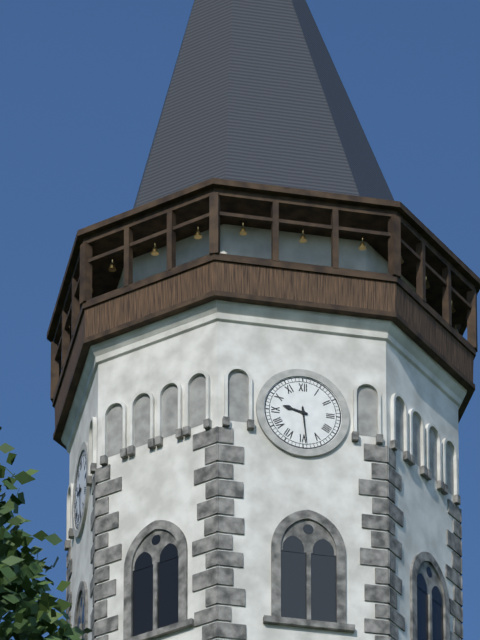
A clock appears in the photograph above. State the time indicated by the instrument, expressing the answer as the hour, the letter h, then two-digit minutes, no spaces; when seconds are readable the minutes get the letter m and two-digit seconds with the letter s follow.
9h29
